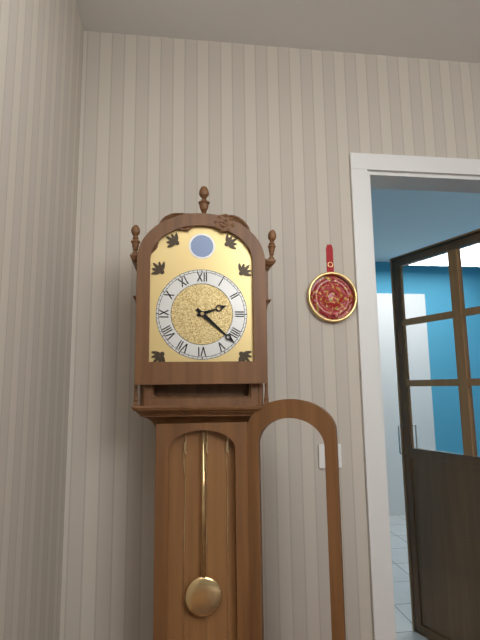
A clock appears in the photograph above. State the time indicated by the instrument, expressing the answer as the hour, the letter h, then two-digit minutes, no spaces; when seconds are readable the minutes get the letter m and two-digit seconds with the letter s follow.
2h22
